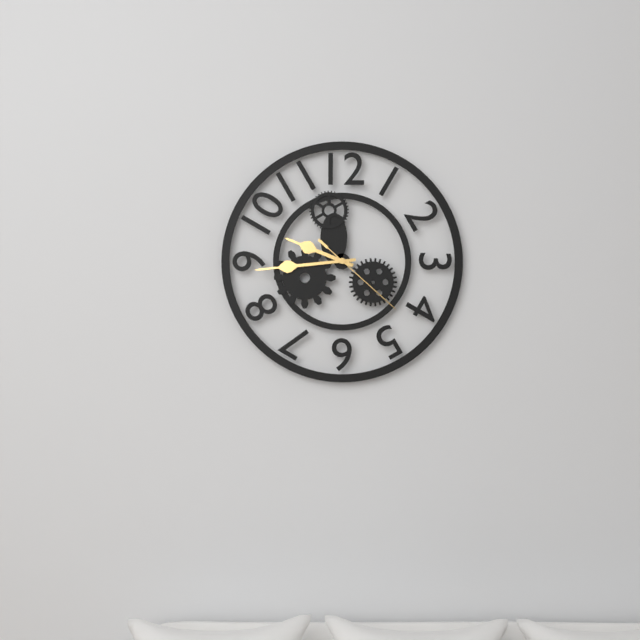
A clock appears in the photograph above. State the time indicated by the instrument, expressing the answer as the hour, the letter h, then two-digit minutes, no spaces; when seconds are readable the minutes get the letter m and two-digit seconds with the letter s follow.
9h44m22s
